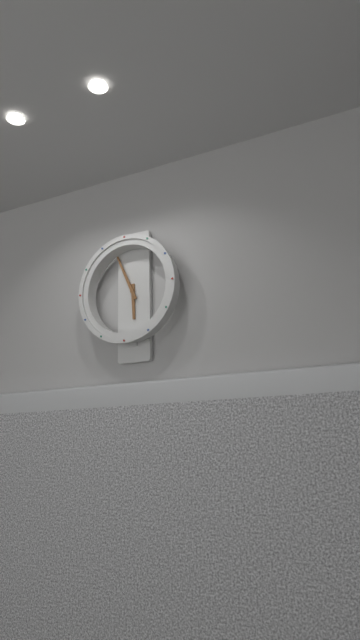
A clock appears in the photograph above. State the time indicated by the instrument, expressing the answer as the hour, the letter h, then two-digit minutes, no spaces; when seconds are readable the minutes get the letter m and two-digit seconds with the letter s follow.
5h56
